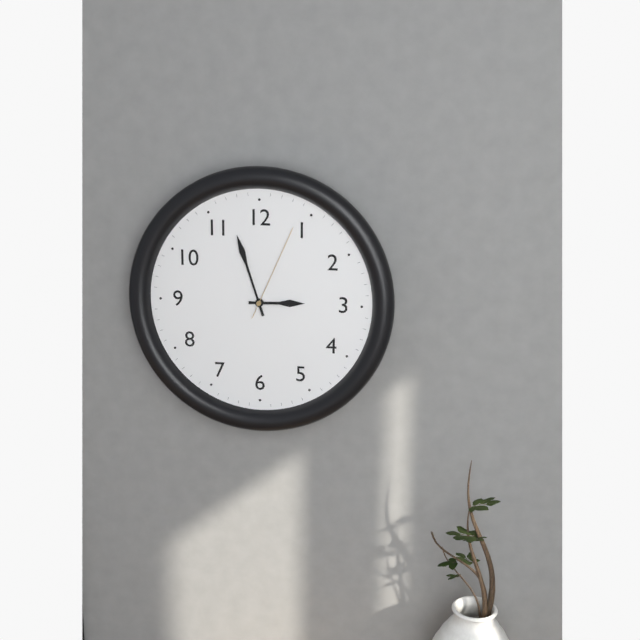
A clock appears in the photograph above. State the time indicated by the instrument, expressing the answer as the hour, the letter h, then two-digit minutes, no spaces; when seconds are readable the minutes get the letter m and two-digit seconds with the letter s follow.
2h57m04s
